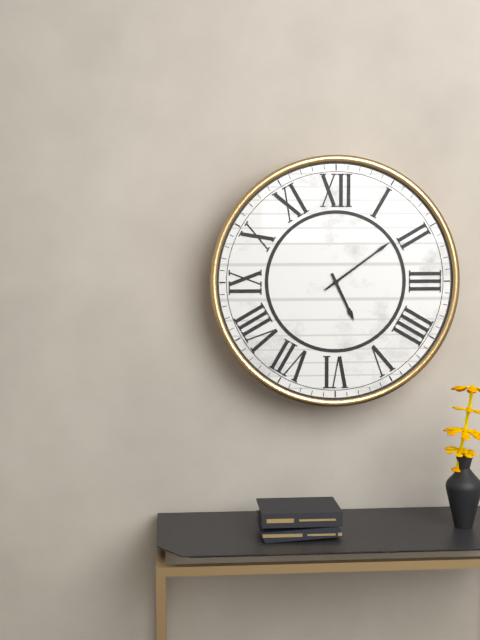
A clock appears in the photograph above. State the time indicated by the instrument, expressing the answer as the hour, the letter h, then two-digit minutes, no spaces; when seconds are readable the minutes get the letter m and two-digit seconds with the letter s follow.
5h09
